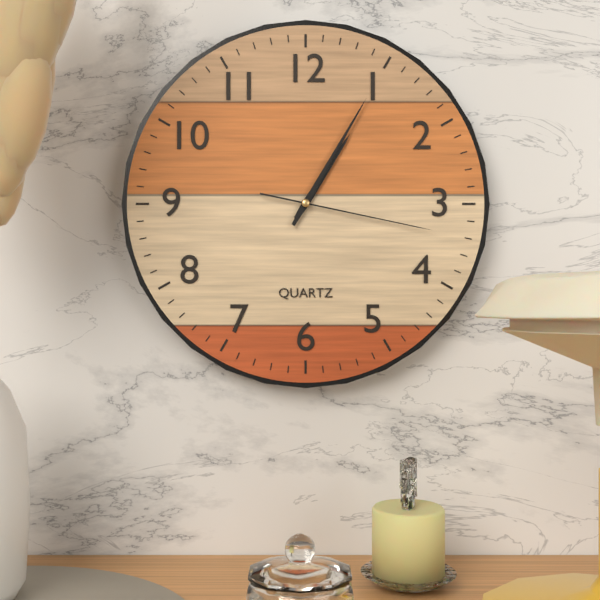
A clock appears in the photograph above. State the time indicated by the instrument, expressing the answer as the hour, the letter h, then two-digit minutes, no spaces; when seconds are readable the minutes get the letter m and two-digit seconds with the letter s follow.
1h05m17s
